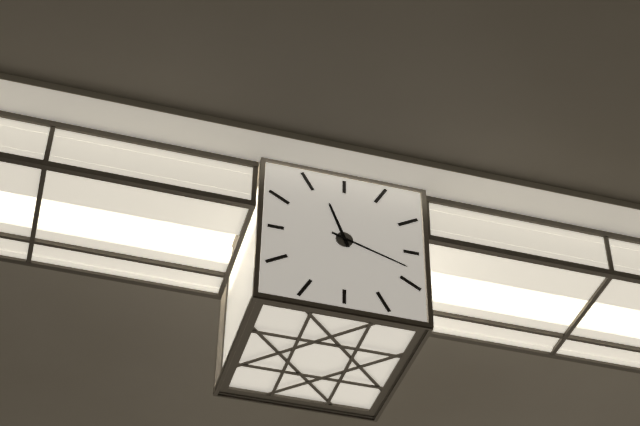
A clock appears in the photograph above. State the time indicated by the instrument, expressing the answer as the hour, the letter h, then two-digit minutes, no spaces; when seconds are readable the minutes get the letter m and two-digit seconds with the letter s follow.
11h18
